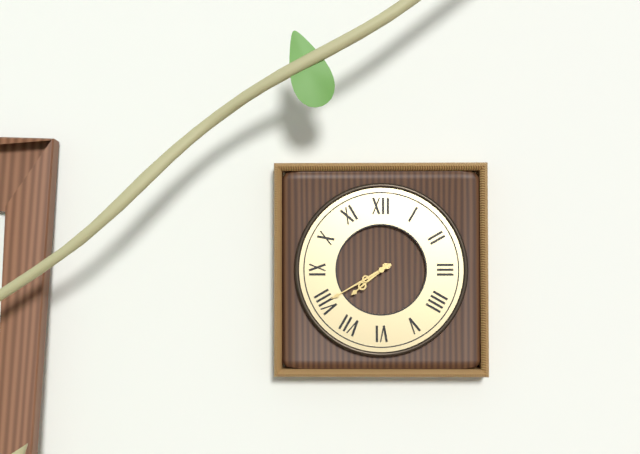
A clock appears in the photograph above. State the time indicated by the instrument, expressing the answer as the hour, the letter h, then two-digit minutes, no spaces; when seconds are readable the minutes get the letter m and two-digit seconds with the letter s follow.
7h40
